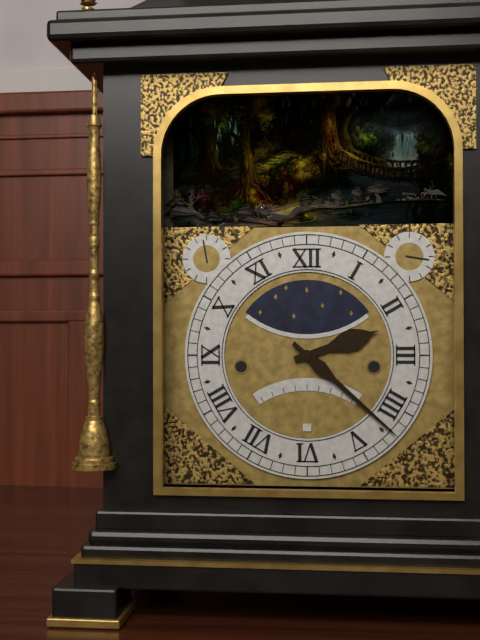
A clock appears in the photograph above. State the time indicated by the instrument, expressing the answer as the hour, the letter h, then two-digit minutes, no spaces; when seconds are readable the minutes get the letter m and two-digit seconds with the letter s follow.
2h22
